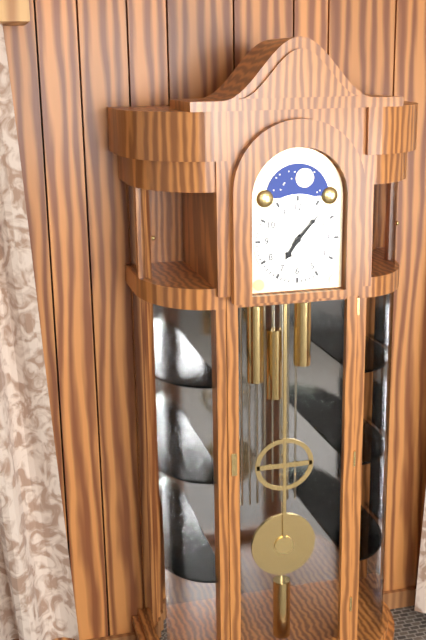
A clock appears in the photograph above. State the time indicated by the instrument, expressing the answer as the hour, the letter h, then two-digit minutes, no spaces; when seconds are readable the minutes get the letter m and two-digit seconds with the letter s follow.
7h07
